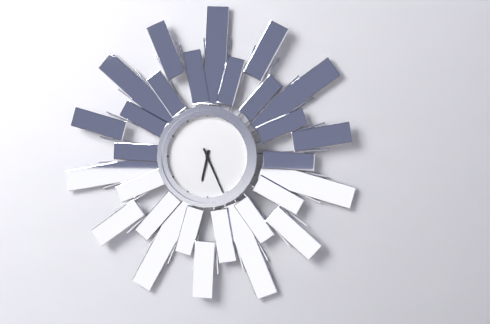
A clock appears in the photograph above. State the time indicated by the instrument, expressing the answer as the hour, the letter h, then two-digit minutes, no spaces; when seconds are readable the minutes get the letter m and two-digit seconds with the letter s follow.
6h26
